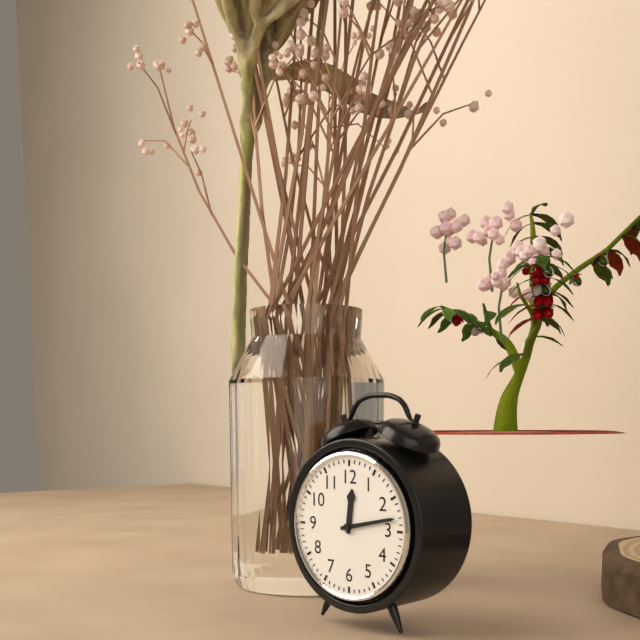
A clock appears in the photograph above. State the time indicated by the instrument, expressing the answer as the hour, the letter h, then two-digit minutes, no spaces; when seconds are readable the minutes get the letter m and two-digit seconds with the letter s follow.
12h13
